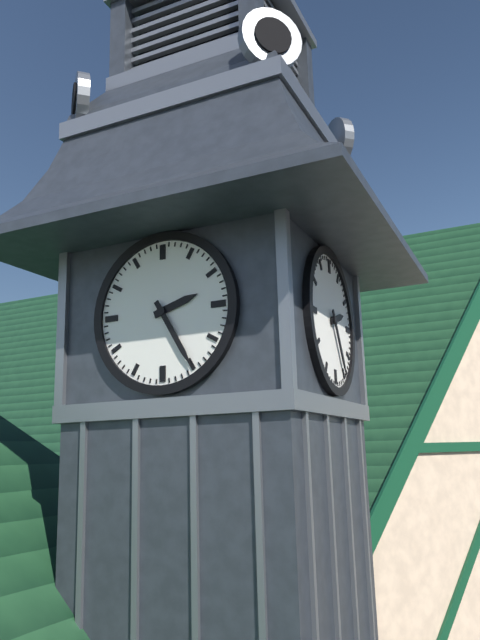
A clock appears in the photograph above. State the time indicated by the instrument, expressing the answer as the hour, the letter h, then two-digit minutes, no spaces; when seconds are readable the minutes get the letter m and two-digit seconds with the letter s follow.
2h25
